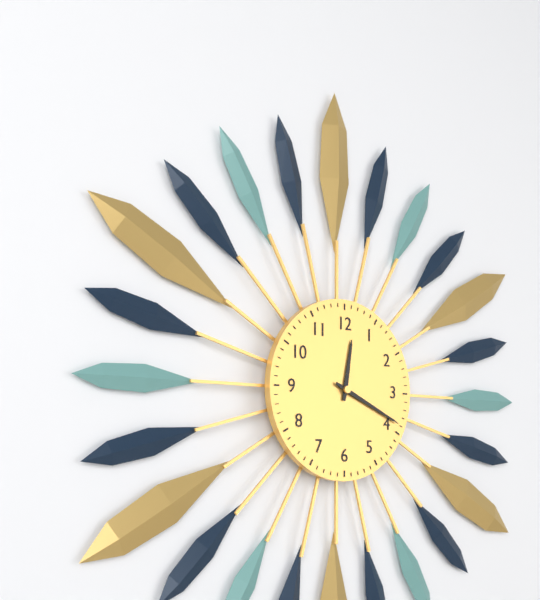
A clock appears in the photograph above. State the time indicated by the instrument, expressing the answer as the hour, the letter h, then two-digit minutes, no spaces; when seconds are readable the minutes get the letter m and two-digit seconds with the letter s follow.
12h19
